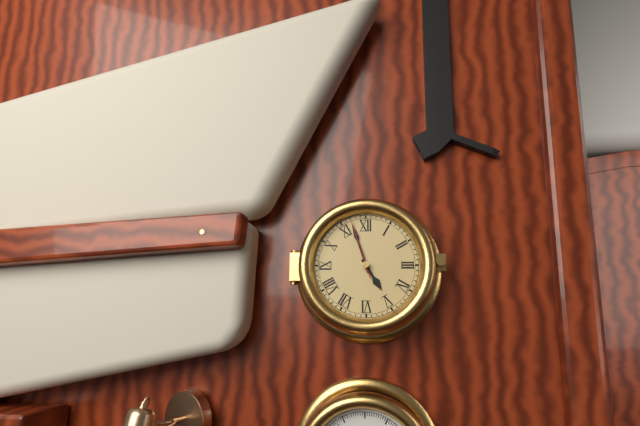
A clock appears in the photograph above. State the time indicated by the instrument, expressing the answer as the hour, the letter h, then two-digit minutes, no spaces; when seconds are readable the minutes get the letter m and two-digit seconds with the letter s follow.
4h57m57s
